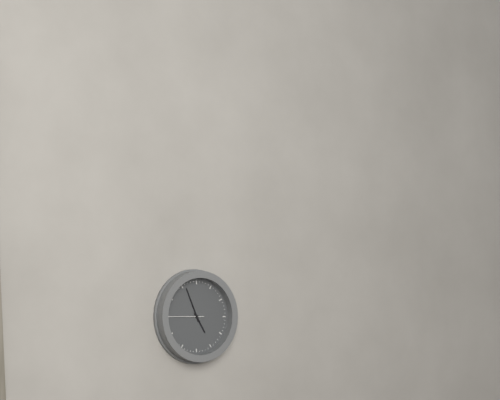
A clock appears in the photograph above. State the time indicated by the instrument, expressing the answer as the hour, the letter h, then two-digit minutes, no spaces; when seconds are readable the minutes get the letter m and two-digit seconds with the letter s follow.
4h56
